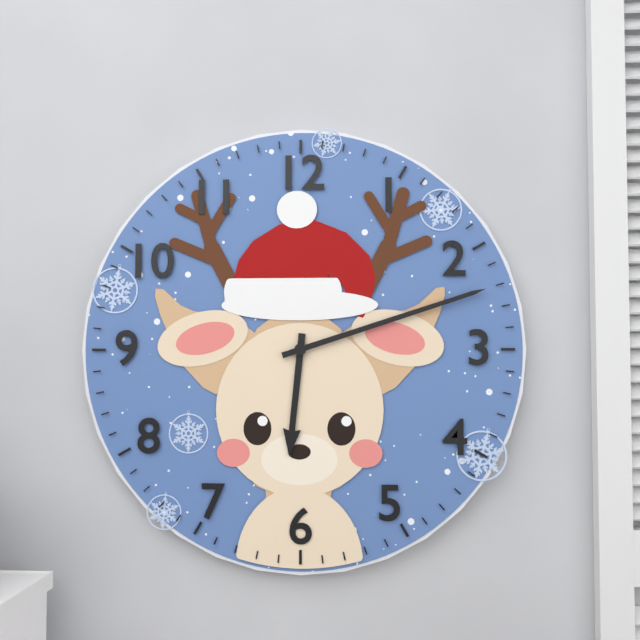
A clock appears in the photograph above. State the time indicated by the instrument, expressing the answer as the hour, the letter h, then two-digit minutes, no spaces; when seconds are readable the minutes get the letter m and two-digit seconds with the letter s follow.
6h12
